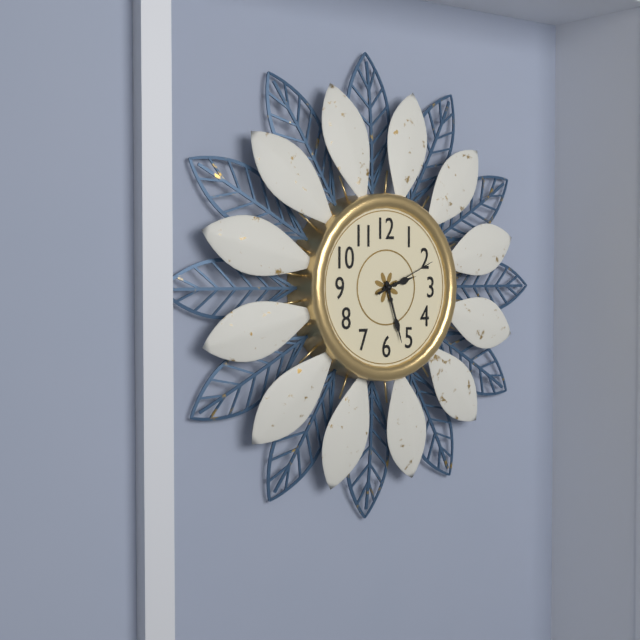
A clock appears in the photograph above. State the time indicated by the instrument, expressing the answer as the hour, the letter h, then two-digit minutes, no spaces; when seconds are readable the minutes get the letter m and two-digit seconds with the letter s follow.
2h27m11s
